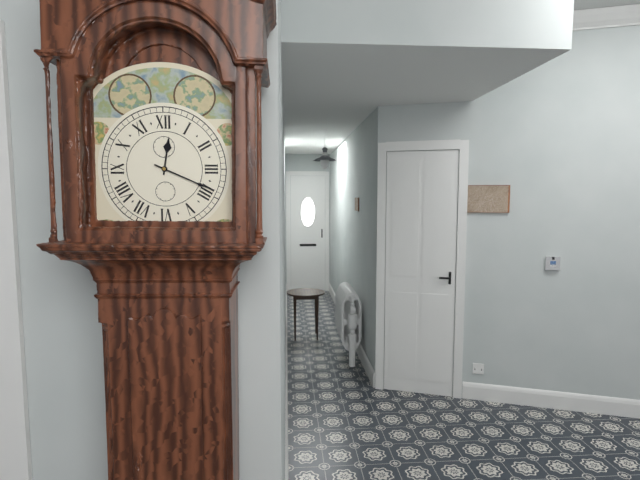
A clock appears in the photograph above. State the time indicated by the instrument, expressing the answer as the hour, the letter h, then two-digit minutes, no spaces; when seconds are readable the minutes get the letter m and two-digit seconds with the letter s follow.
12h19
